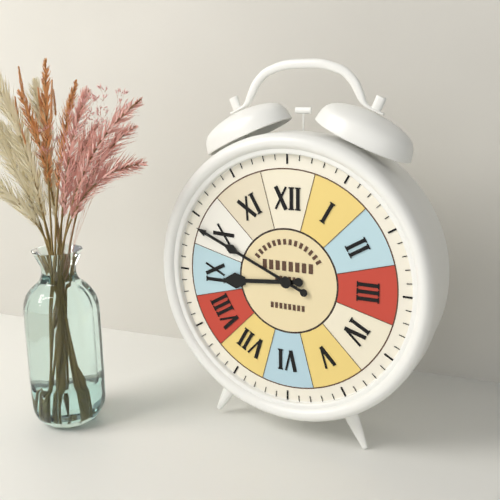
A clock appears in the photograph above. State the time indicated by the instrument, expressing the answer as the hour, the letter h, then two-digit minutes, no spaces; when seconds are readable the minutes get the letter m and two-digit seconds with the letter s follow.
8h49
